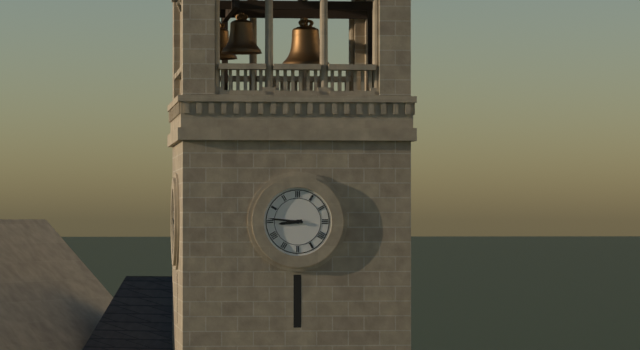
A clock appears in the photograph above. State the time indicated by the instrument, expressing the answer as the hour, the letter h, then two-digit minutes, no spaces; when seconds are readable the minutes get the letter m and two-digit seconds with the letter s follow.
8h46
